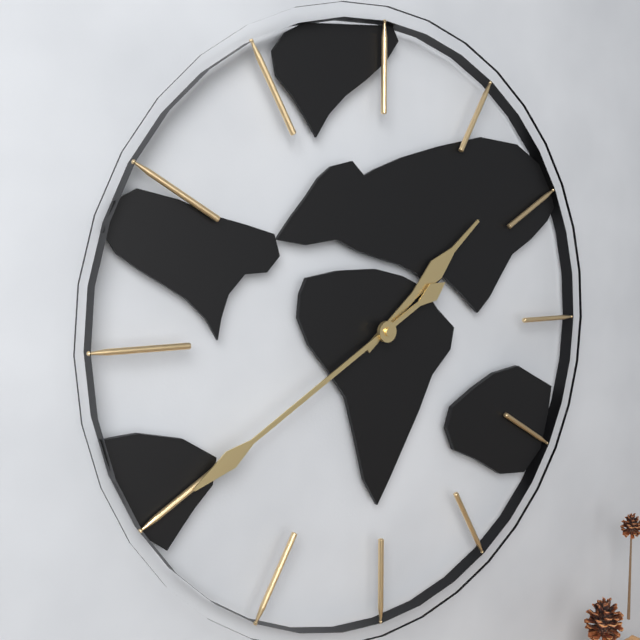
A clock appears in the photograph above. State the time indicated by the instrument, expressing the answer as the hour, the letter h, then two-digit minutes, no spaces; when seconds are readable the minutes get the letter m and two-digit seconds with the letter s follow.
1h40
